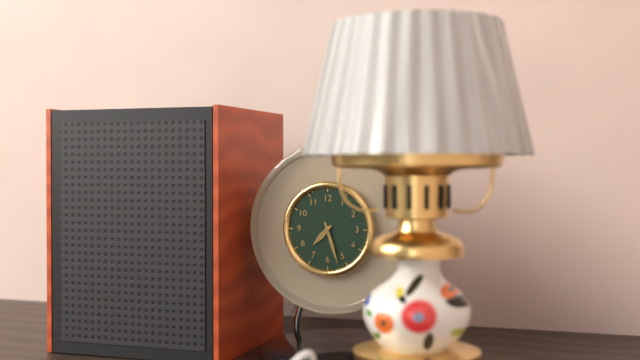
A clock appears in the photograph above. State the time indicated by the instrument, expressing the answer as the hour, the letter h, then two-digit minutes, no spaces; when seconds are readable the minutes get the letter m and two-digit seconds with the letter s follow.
7h27
